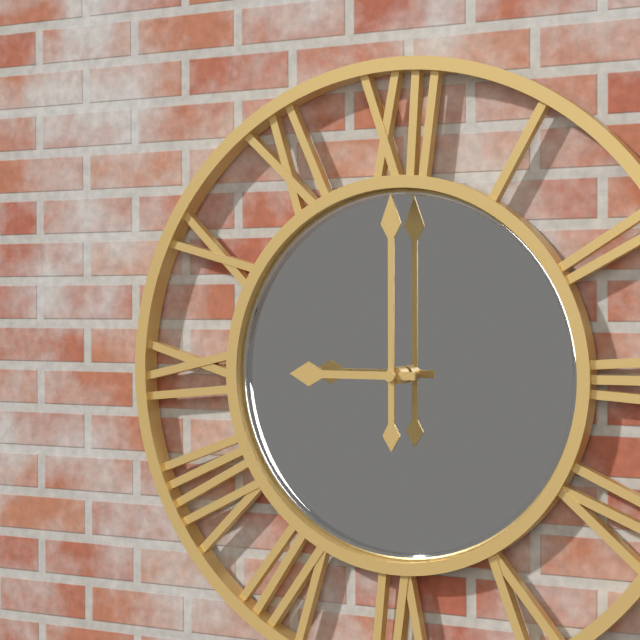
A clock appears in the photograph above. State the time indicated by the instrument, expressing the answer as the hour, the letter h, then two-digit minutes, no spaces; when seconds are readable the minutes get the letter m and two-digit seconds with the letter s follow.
9h00
